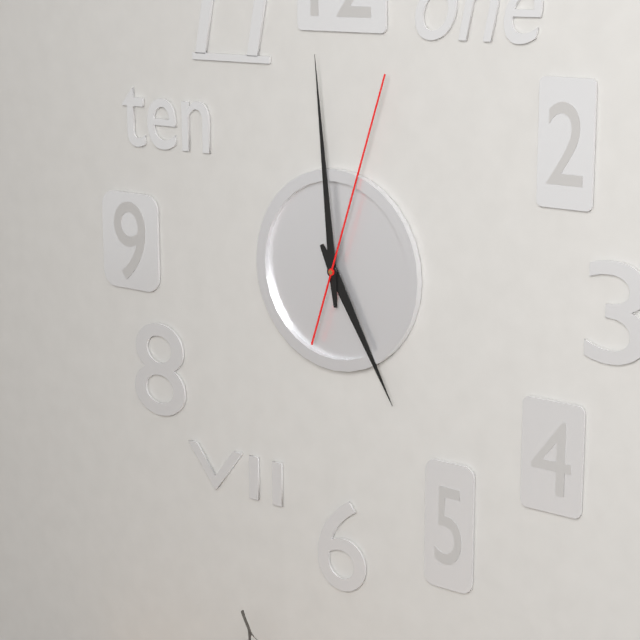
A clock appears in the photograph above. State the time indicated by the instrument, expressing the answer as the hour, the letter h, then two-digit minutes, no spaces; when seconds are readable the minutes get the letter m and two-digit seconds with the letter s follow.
4h59m03s
